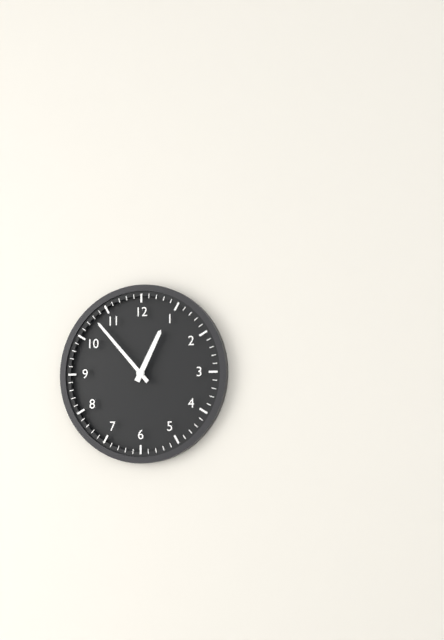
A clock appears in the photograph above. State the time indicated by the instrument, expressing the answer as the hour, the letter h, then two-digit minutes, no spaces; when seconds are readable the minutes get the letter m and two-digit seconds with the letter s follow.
12h53
